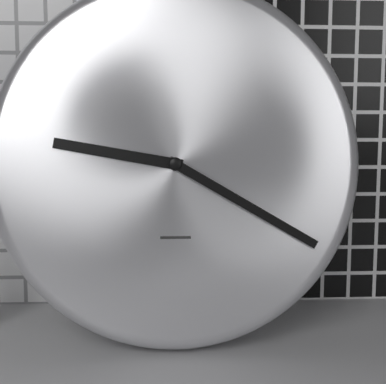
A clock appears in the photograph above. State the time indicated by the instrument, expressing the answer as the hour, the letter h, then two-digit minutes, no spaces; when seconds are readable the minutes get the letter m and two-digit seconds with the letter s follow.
9h20
